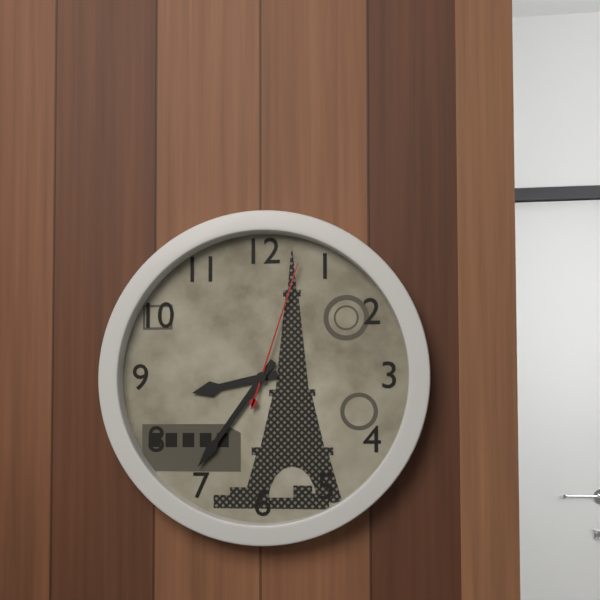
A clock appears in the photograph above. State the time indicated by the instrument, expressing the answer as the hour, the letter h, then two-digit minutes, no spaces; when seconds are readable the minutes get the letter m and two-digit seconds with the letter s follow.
8h36m03s
